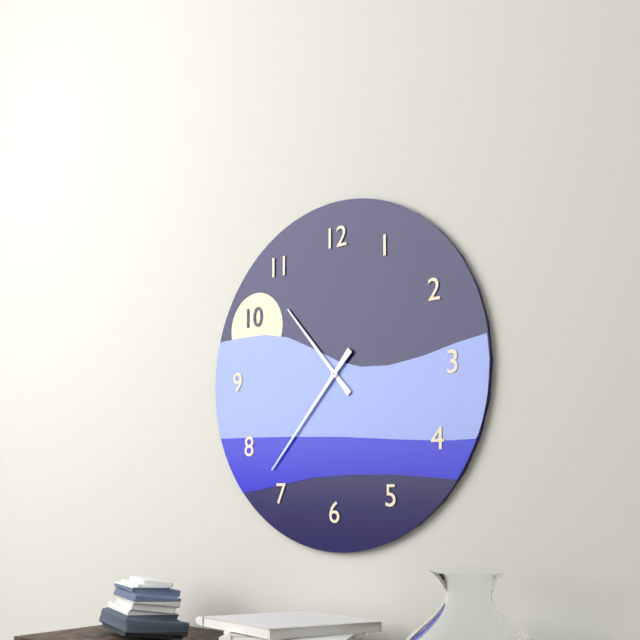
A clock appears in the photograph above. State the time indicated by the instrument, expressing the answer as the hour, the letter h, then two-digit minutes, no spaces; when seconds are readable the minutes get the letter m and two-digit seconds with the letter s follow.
10h37
